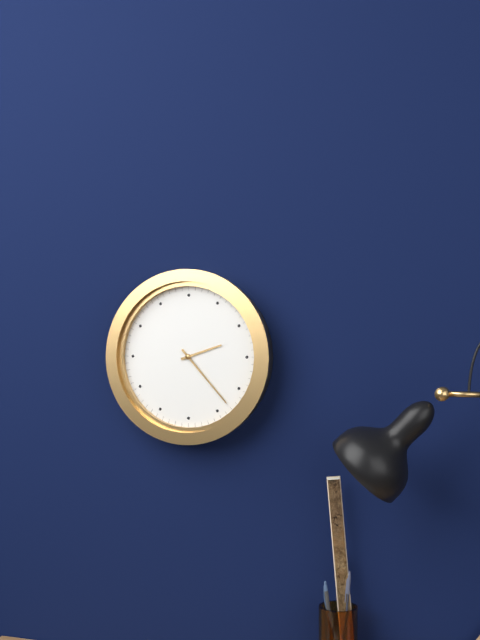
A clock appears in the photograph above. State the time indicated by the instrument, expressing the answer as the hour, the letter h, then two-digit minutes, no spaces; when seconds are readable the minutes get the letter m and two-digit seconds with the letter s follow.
2h23
